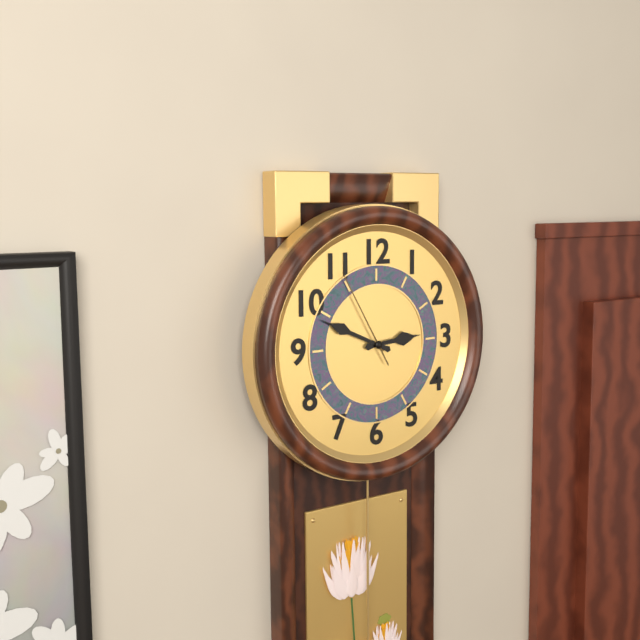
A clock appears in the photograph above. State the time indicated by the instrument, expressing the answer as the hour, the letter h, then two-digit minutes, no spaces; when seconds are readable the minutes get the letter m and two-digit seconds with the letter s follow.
2h49m55s
